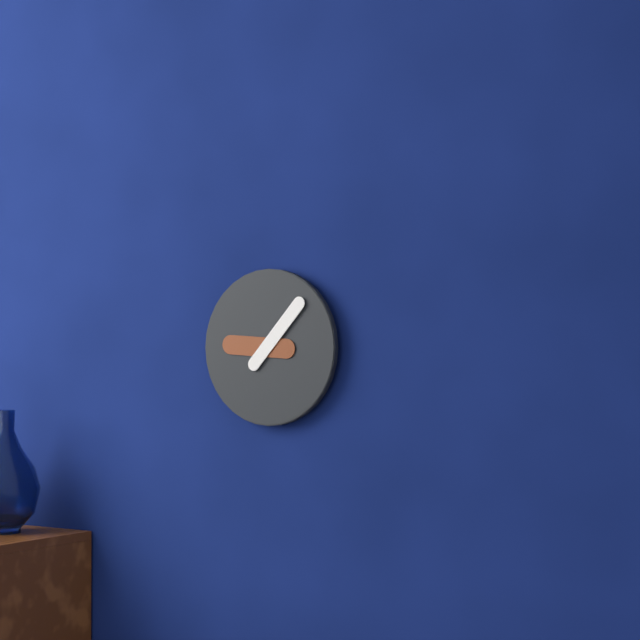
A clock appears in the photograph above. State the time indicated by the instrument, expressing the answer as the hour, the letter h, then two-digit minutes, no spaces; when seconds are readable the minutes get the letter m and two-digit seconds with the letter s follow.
9h07
